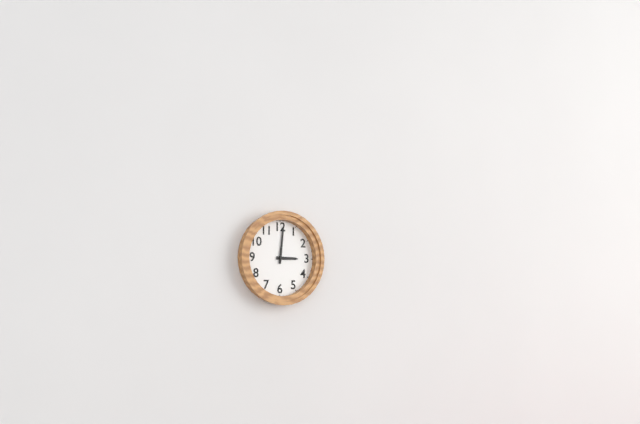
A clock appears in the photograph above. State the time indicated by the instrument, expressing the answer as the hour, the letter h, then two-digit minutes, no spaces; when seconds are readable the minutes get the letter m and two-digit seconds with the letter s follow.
3h01
